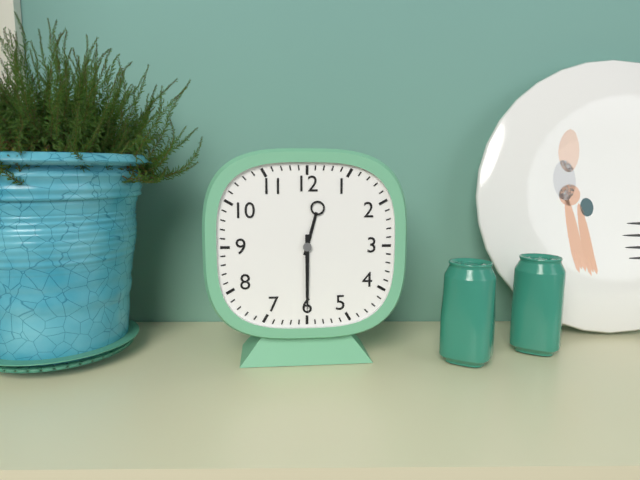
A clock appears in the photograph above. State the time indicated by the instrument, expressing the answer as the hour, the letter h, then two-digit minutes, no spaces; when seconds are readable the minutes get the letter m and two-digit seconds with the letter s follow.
12h30
